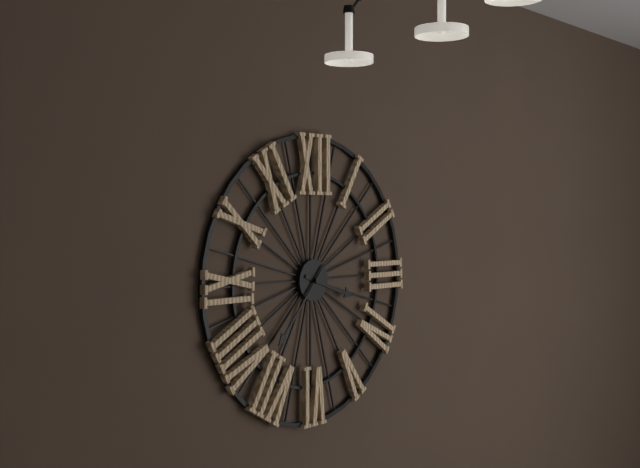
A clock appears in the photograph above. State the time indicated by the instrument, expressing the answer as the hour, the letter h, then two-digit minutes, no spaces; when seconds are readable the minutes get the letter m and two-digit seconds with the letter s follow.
3h37
